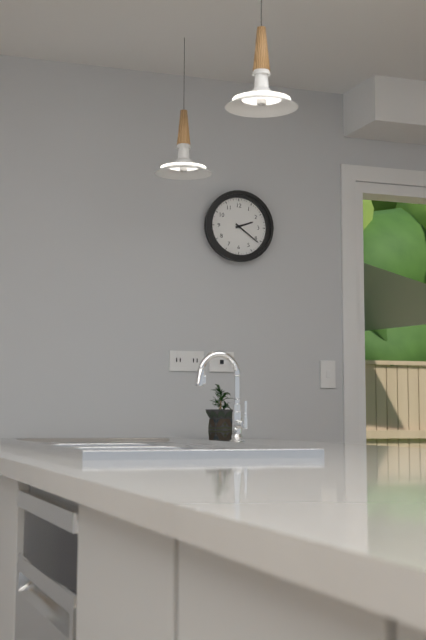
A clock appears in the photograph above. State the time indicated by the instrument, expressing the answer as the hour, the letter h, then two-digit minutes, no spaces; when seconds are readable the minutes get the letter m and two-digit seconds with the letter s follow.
2h21
